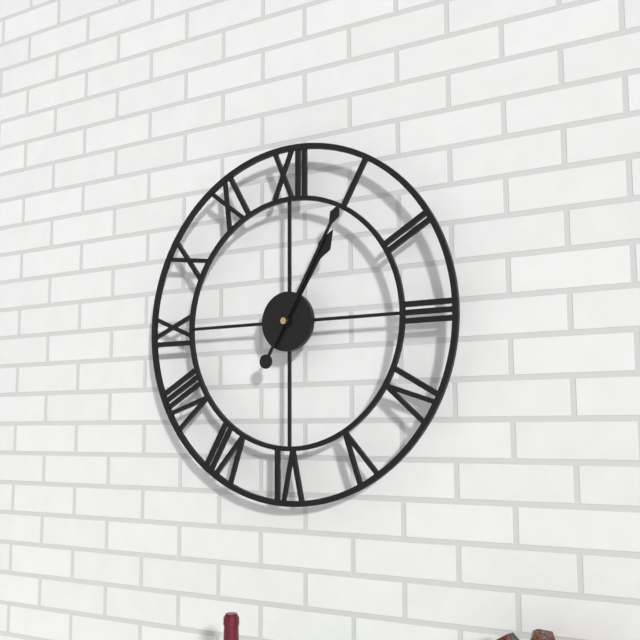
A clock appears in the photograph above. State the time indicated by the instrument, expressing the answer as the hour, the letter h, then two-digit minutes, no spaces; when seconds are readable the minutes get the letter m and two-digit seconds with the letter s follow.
1h05
